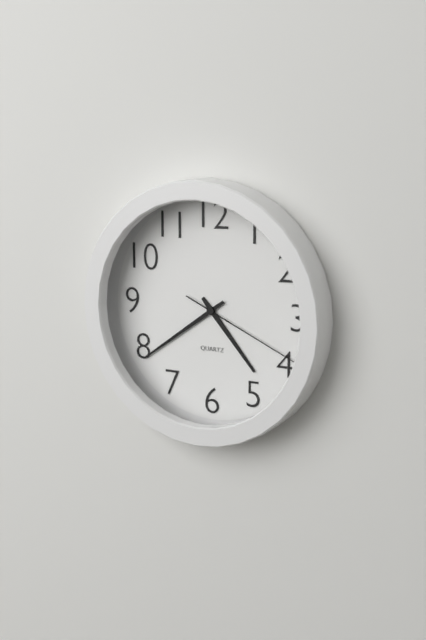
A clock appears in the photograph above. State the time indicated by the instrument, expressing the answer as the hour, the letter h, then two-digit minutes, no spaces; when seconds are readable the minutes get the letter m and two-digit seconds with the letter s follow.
4h39m19s
